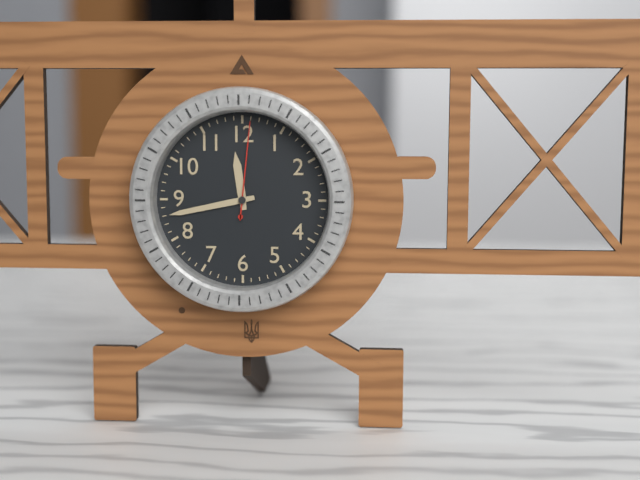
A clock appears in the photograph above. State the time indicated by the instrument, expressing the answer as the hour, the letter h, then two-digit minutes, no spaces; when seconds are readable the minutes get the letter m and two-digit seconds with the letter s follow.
11h43m01s
